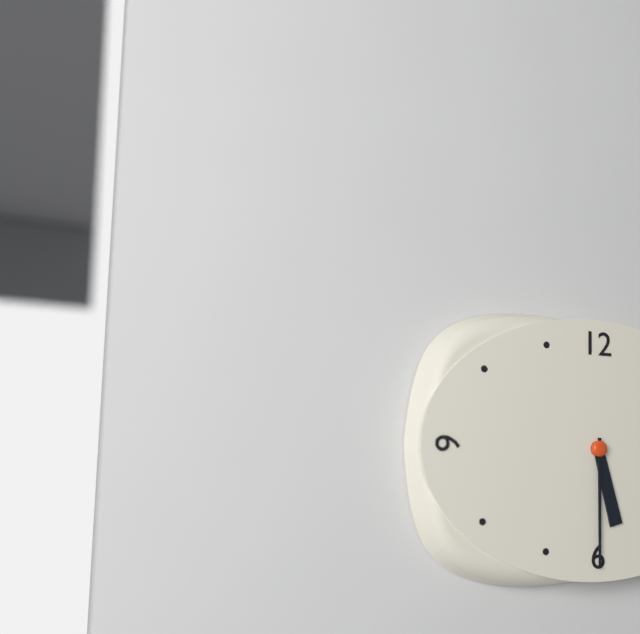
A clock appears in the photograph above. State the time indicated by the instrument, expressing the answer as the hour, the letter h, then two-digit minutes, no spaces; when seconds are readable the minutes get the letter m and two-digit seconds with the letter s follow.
5h30
